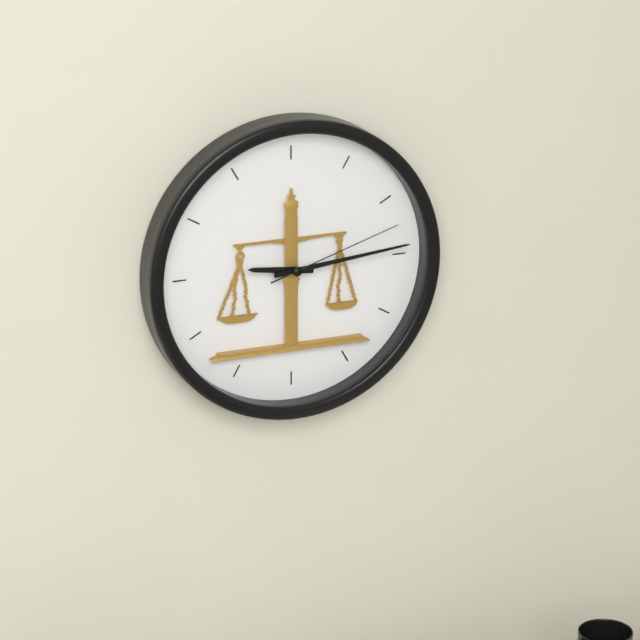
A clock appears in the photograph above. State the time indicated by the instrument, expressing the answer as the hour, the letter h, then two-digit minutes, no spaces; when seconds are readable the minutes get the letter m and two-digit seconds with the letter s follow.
9h14m12s
